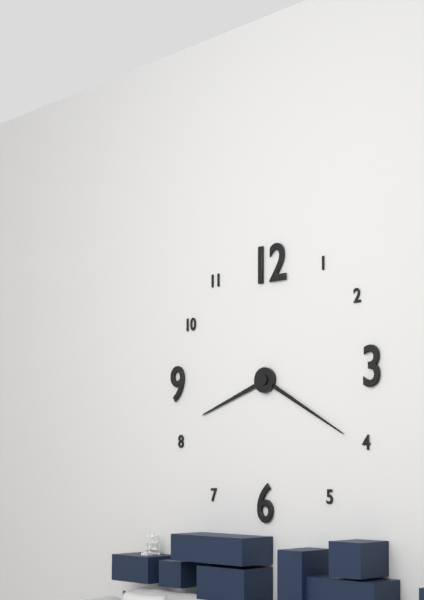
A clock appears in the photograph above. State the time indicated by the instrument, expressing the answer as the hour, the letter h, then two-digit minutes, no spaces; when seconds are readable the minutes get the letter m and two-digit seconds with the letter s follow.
8h20
